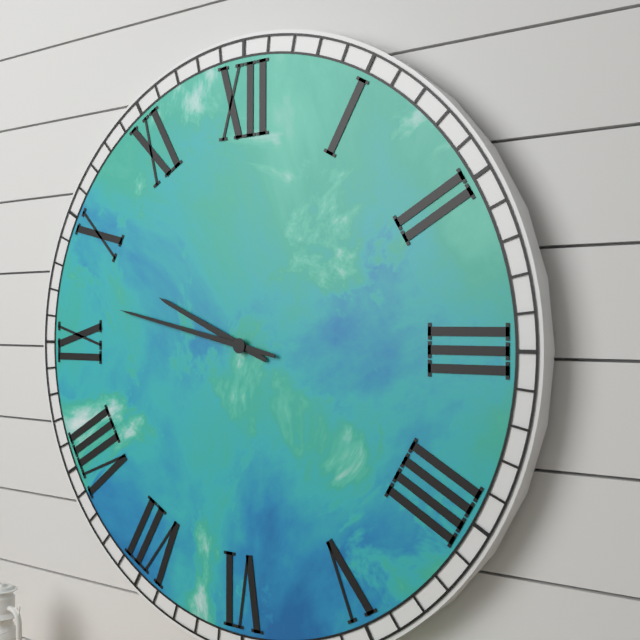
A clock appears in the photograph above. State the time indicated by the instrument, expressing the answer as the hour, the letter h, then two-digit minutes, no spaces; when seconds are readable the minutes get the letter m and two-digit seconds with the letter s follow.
9h47
